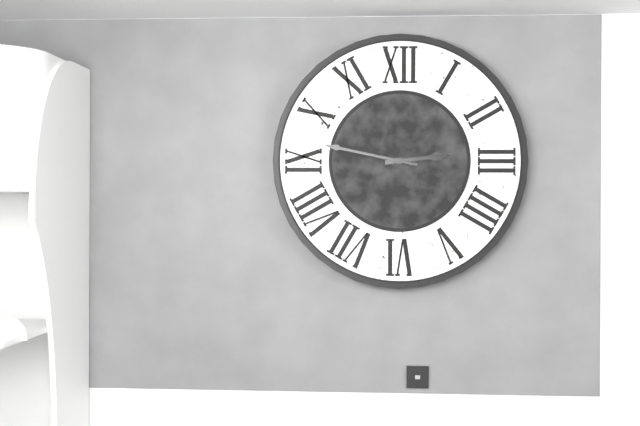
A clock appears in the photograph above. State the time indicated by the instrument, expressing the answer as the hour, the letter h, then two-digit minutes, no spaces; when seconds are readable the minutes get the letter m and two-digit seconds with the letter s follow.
2h47
